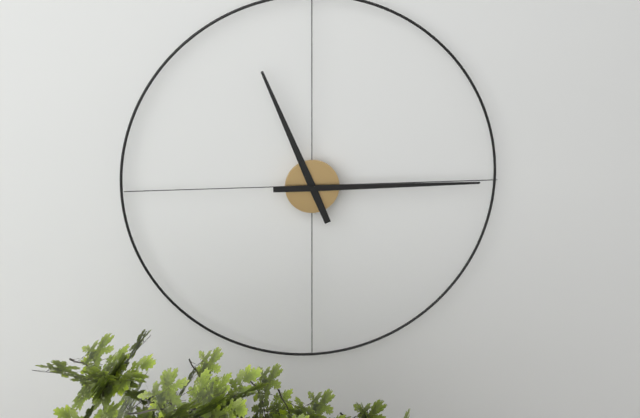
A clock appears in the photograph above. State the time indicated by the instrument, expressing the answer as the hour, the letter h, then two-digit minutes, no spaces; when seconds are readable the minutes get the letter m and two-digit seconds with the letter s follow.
11h15
